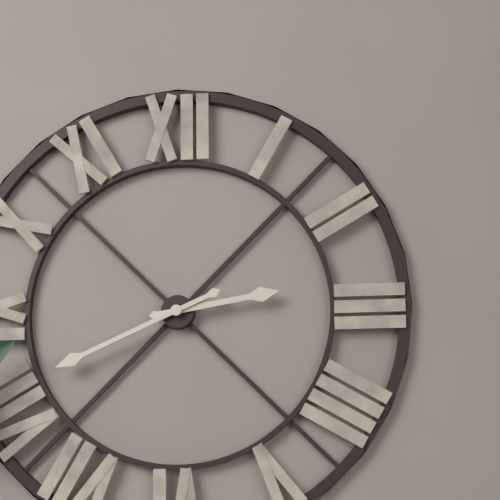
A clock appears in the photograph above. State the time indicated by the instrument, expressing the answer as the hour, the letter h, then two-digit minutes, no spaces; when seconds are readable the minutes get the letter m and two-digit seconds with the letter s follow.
2h41
